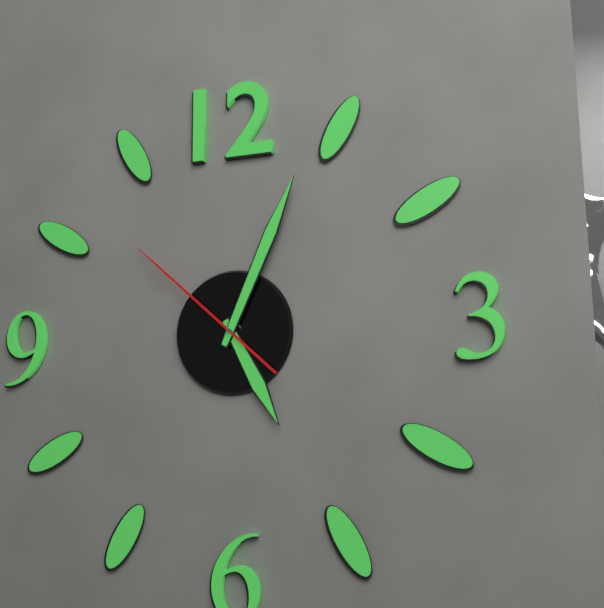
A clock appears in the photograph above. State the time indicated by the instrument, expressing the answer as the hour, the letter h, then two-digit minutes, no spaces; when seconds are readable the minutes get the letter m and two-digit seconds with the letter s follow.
5h04m52s
